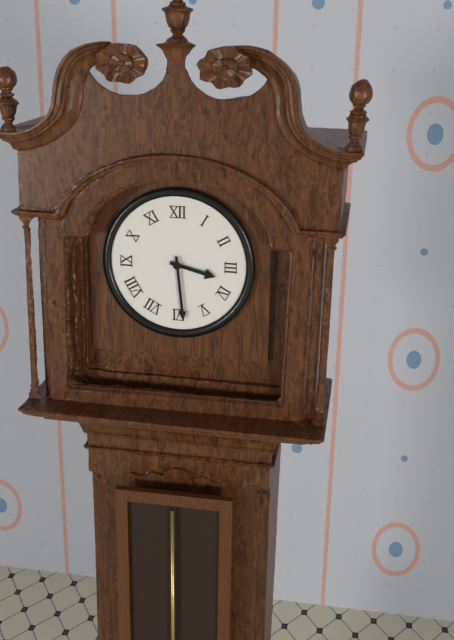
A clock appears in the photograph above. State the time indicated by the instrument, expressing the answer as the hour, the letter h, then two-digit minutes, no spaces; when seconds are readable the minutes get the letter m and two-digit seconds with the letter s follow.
3h29
